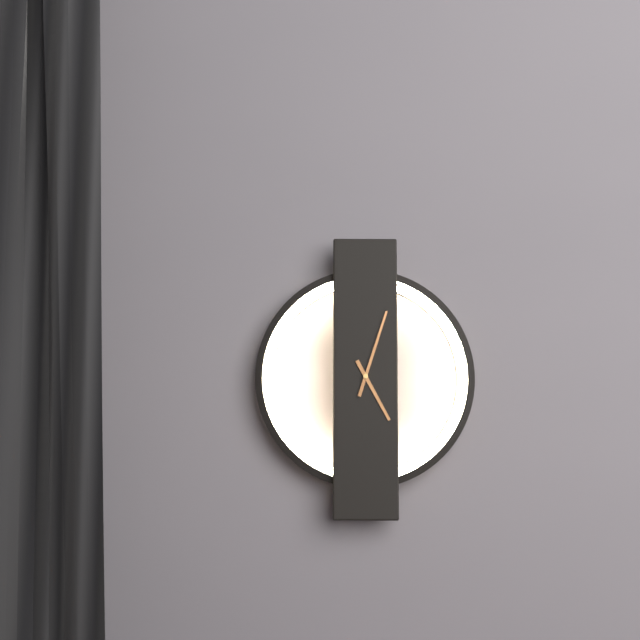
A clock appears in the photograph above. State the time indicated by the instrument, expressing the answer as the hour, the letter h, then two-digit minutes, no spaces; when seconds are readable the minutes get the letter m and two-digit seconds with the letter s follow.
5h03
